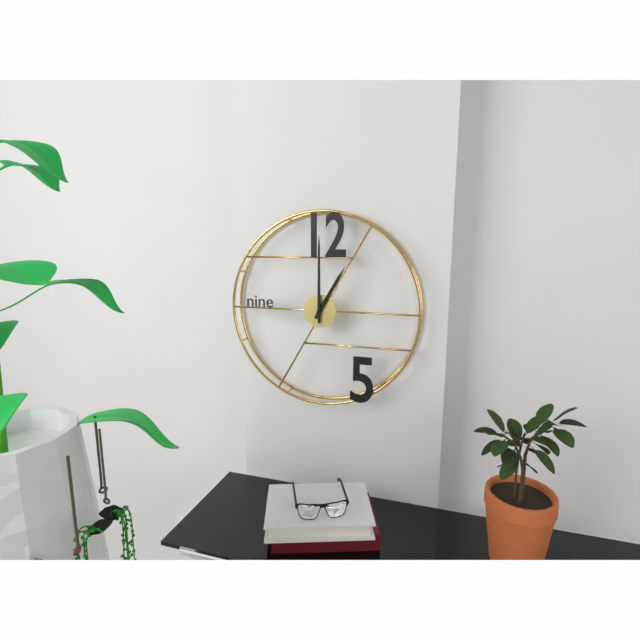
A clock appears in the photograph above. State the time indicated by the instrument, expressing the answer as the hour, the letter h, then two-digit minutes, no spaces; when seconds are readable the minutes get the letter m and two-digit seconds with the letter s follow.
1h00
